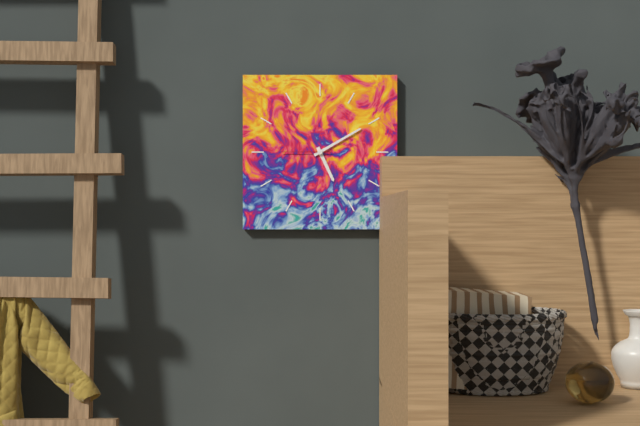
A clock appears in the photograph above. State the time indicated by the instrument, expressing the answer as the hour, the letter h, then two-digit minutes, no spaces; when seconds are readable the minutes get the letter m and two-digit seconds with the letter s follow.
5h10
